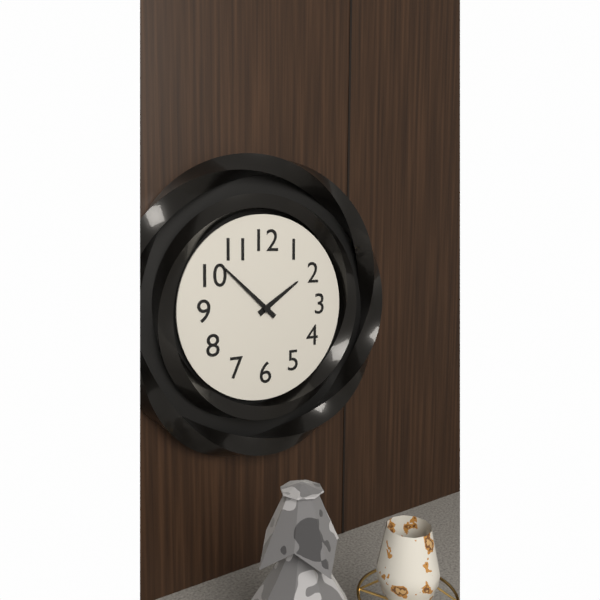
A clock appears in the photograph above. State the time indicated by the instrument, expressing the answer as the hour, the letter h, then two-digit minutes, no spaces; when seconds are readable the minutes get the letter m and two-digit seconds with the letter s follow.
1h52
